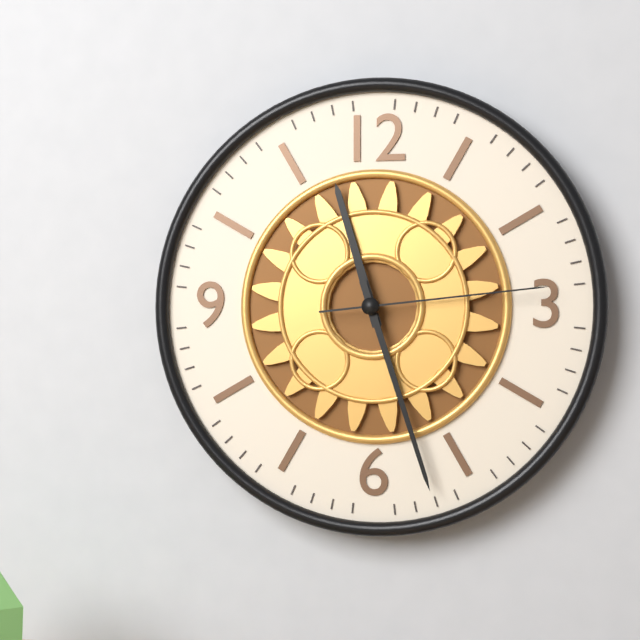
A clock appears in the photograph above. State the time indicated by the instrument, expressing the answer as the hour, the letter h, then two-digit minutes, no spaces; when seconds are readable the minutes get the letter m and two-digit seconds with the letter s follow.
11h27m14s
